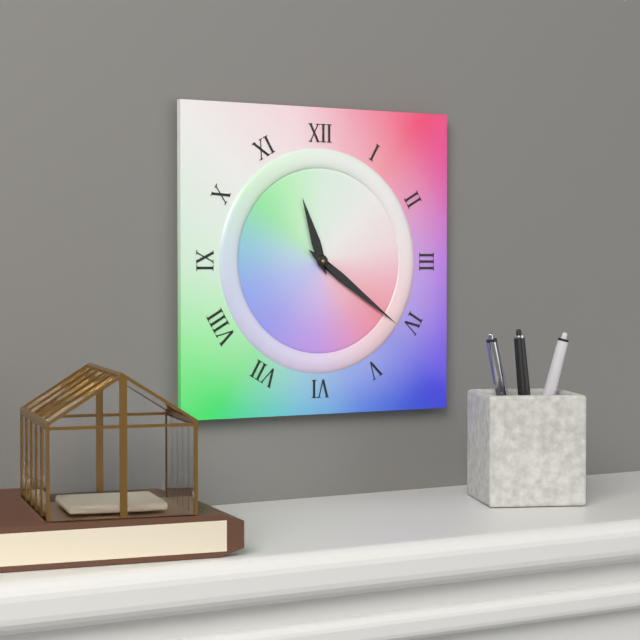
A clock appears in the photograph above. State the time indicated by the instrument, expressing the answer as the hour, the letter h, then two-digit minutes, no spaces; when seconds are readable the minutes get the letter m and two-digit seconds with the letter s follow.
11h21
